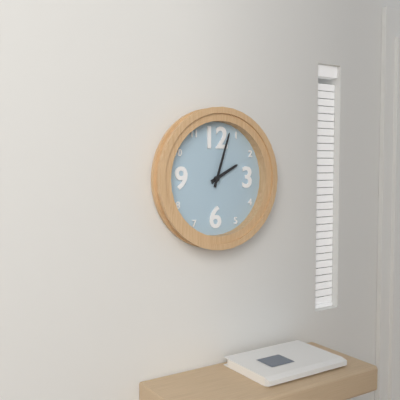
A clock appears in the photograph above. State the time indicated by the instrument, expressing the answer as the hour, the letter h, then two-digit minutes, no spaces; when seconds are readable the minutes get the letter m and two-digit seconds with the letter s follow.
2h03
